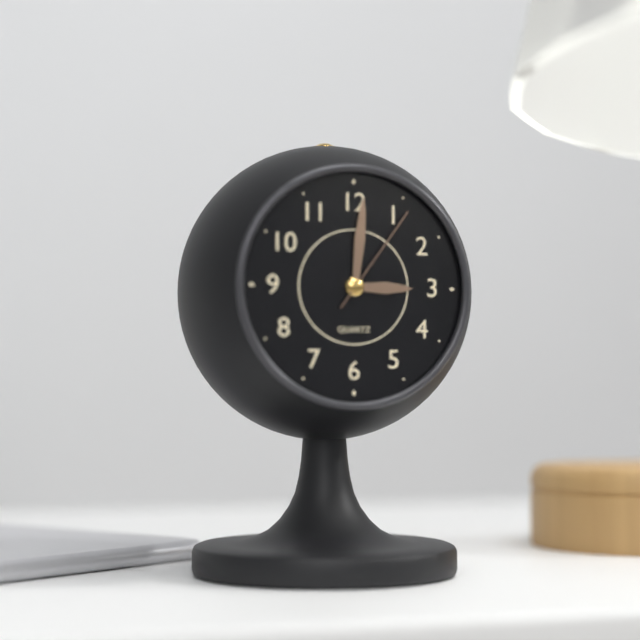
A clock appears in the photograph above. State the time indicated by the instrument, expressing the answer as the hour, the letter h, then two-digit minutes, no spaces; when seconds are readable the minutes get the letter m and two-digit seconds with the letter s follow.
3h01m06s
